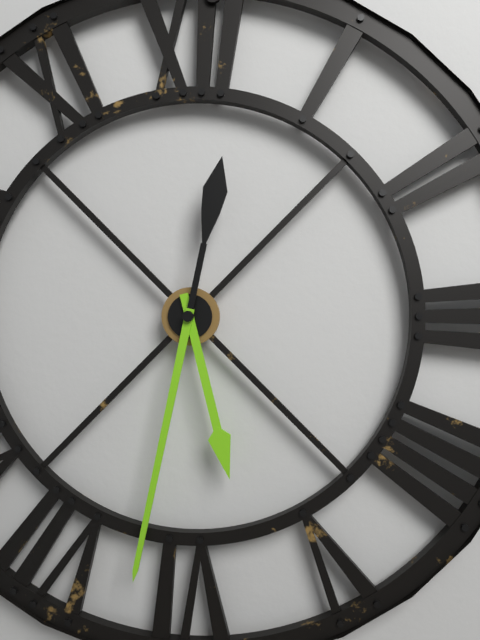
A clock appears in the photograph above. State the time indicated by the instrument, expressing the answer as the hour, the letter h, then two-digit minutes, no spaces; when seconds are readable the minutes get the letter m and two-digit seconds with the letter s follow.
5h32
